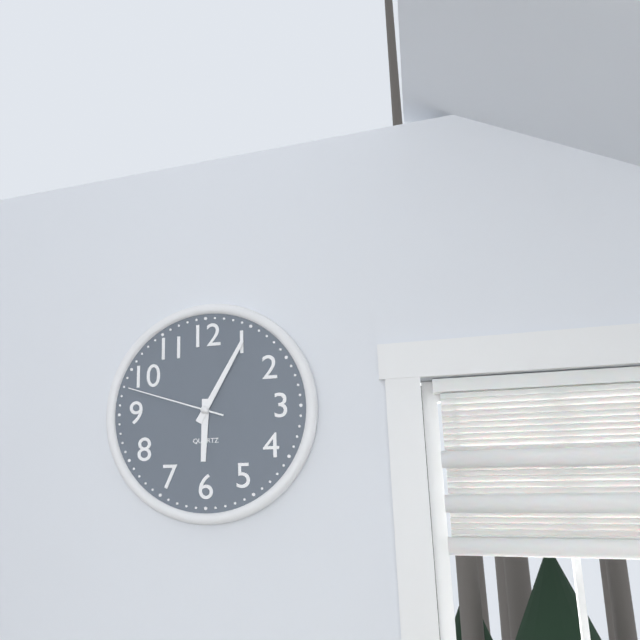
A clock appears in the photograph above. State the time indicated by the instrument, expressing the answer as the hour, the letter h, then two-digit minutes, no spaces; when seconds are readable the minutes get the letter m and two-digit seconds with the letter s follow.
6h05m48s
